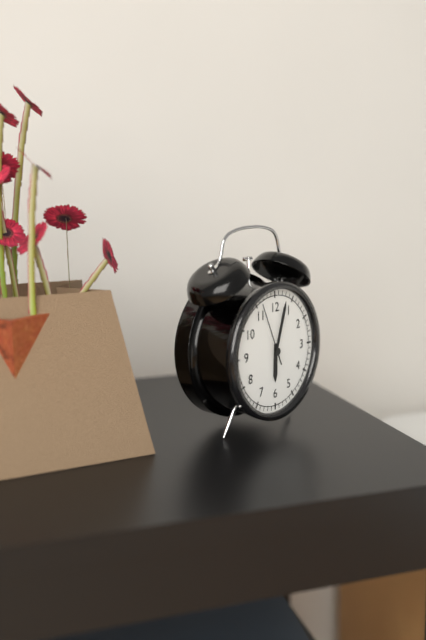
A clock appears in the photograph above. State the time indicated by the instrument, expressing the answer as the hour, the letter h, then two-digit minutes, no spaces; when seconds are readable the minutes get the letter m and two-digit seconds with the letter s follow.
6h03m56s
